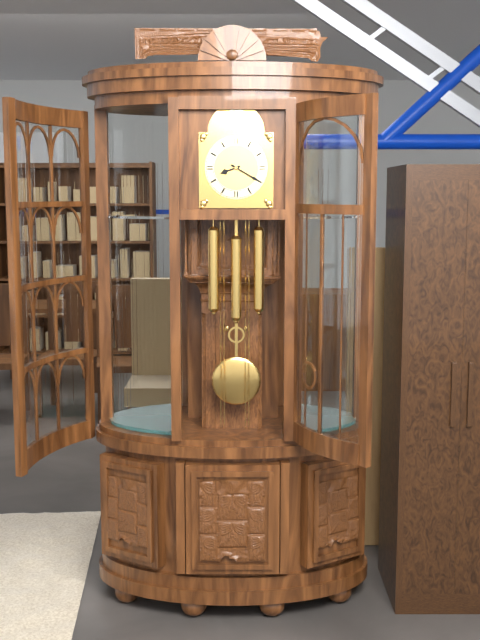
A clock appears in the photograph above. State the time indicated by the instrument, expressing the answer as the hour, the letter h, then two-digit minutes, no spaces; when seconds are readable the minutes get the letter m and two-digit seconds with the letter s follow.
8h20
